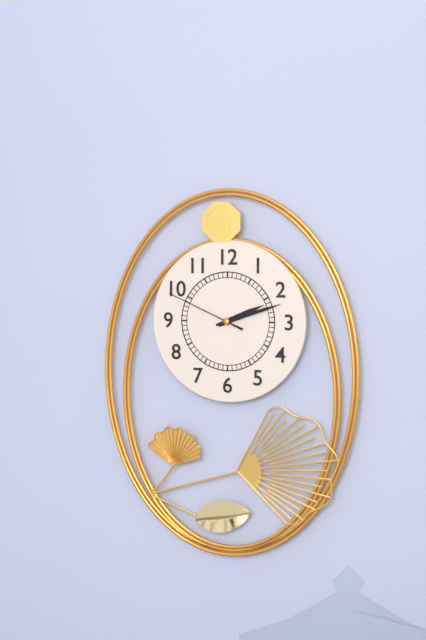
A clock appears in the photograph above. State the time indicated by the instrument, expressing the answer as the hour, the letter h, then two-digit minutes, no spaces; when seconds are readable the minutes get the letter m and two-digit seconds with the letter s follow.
2h12m49s
